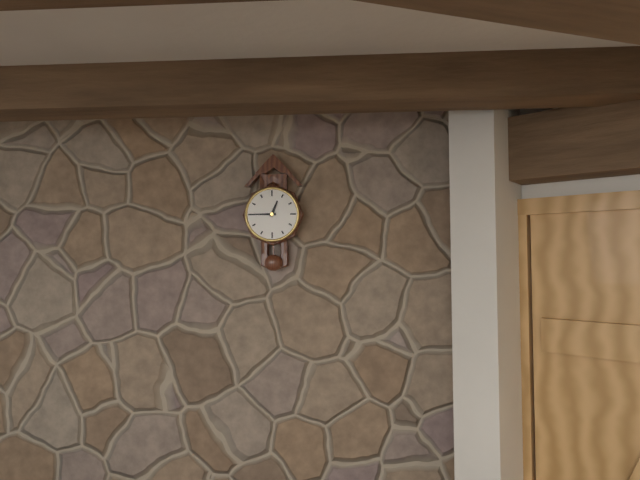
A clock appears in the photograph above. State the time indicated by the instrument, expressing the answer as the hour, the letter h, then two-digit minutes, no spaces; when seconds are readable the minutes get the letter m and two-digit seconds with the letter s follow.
12h45
